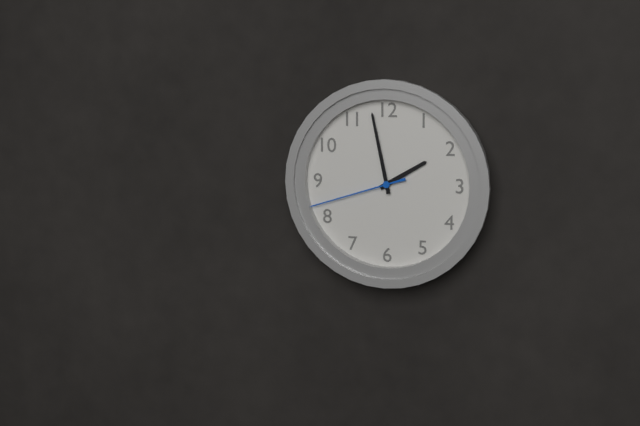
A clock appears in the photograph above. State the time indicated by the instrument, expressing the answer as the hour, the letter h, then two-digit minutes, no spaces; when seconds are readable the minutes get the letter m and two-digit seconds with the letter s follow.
1h58m42s
